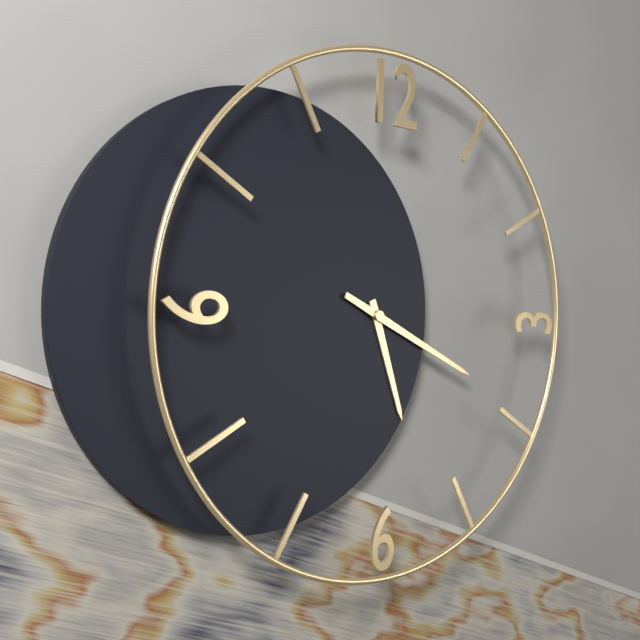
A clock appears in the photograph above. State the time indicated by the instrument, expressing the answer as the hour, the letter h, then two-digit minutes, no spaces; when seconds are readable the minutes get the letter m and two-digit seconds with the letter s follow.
5h19
